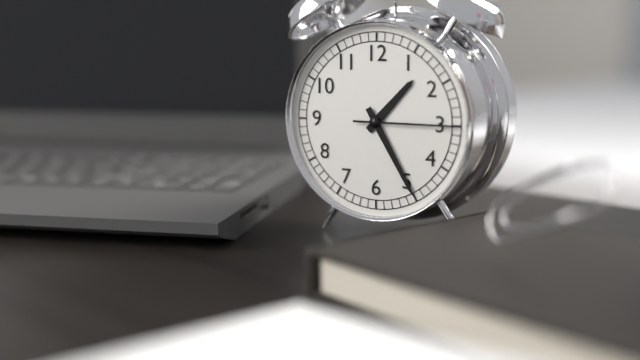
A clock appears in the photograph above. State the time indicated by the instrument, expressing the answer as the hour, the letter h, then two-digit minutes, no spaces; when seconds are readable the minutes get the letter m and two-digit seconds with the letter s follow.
1h25m15s
